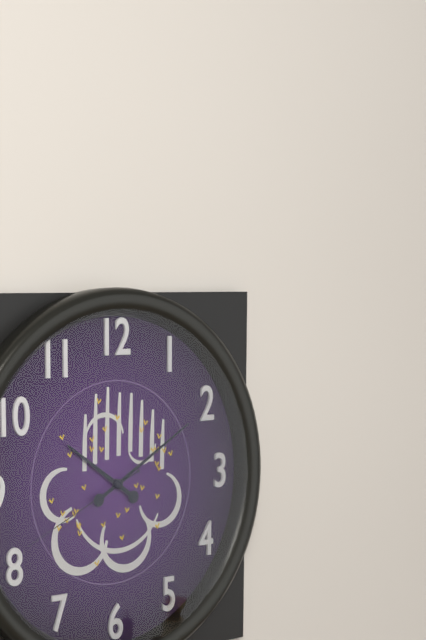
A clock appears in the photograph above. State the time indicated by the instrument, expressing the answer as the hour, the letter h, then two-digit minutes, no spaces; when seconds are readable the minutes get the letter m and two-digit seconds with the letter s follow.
10h10m41s
